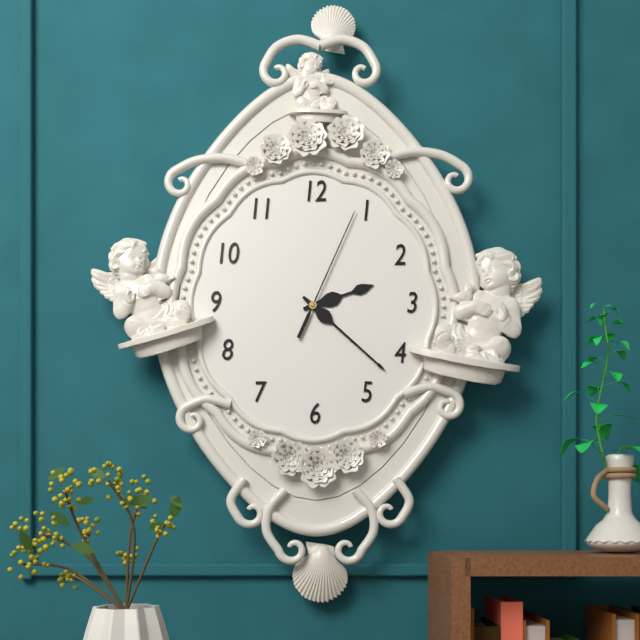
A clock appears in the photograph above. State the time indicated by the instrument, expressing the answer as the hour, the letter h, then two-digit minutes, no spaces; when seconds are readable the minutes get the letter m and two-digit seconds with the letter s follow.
2h22m04s
